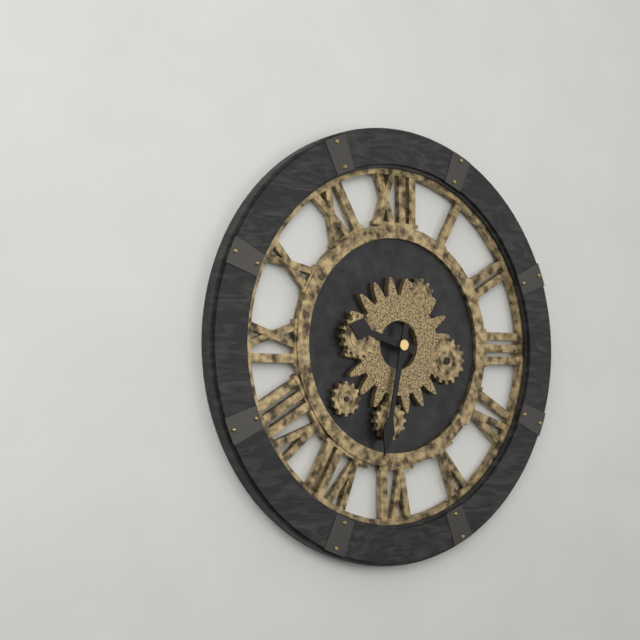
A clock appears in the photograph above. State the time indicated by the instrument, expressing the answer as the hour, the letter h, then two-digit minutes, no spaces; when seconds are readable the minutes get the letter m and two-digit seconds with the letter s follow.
9h32
